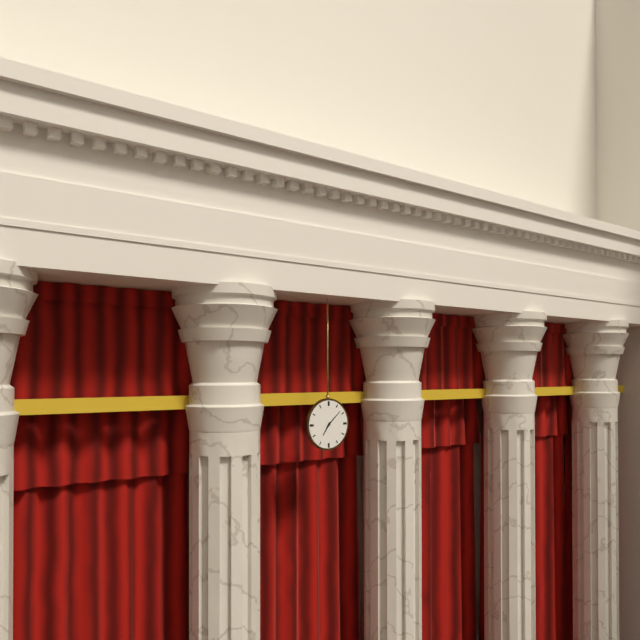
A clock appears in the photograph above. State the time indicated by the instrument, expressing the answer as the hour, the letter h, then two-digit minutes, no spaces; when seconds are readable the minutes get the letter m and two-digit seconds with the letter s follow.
7h08
